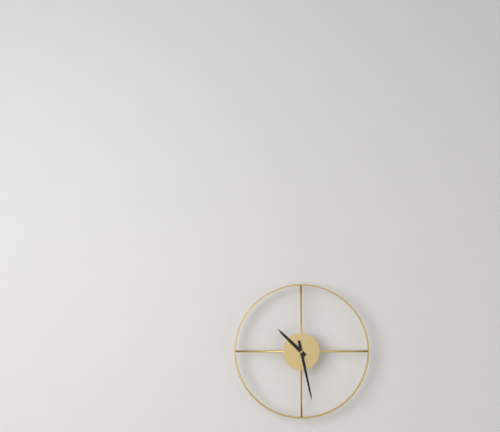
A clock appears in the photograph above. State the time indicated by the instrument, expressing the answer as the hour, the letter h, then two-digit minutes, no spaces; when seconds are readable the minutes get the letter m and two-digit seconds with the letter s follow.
10h28
